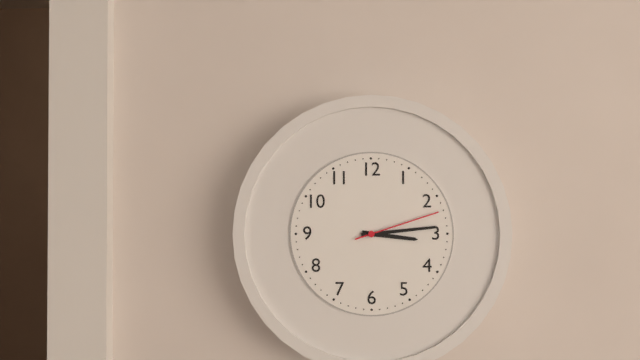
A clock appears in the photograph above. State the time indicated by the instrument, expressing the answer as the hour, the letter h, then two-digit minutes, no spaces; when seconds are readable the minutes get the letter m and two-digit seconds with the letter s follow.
3h14m12s
